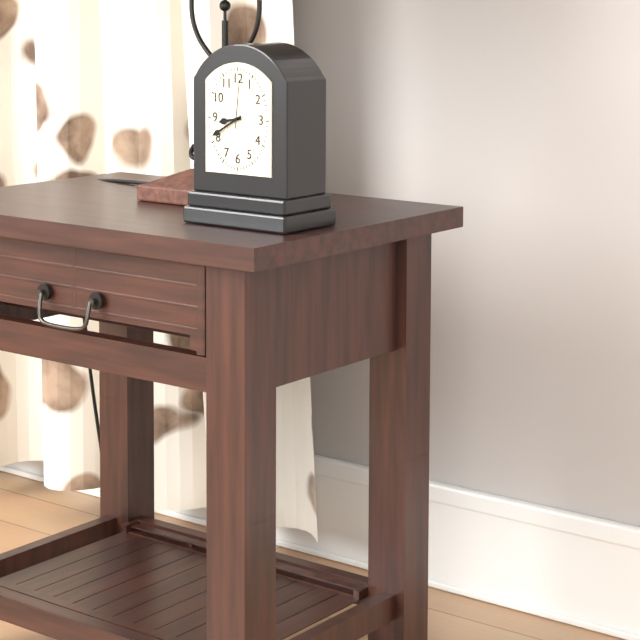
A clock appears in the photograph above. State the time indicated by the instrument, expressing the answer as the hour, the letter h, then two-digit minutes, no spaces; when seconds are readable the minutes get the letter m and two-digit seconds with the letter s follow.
8h40
